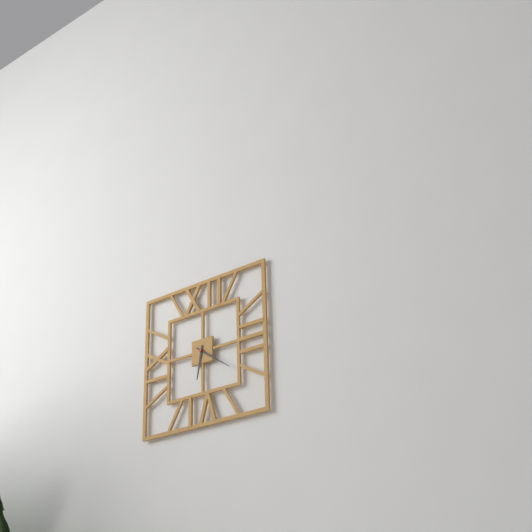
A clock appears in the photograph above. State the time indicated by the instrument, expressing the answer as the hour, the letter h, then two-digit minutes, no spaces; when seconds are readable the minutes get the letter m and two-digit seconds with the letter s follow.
6h21
